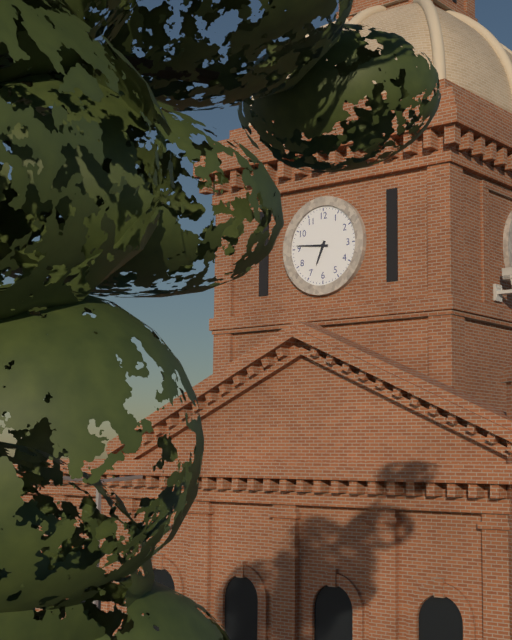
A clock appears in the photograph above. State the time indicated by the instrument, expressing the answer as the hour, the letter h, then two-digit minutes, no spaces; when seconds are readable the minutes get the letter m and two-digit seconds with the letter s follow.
6h46
